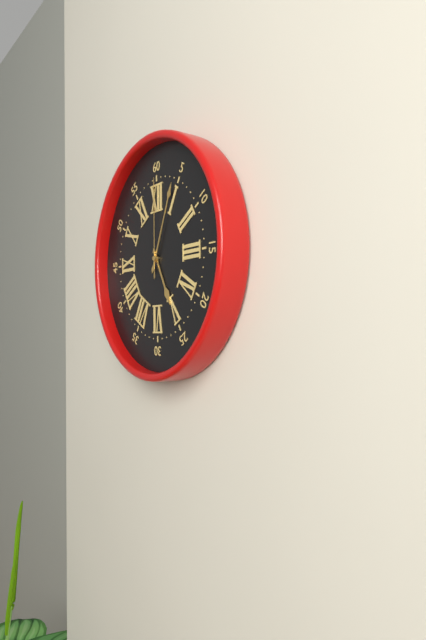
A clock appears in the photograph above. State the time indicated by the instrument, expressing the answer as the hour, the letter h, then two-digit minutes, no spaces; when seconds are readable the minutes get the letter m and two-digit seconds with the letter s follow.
5h04m00s
